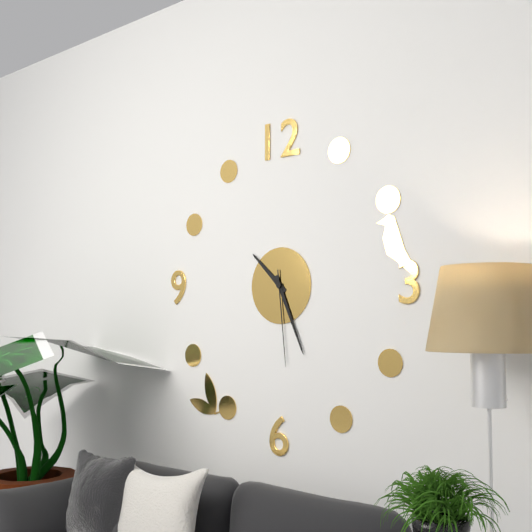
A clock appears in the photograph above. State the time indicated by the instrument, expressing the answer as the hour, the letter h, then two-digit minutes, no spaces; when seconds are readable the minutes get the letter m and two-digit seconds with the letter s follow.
10h26m29s
